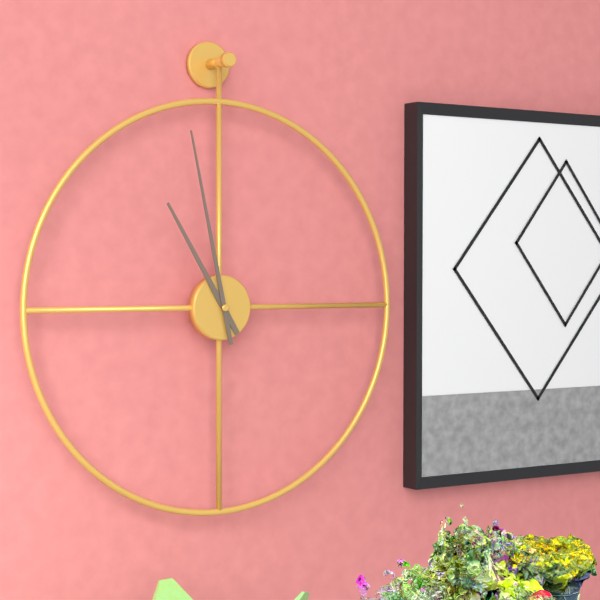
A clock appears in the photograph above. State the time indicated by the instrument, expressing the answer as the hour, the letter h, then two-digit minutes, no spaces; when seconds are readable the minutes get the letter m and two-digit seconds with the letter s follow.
10h58
